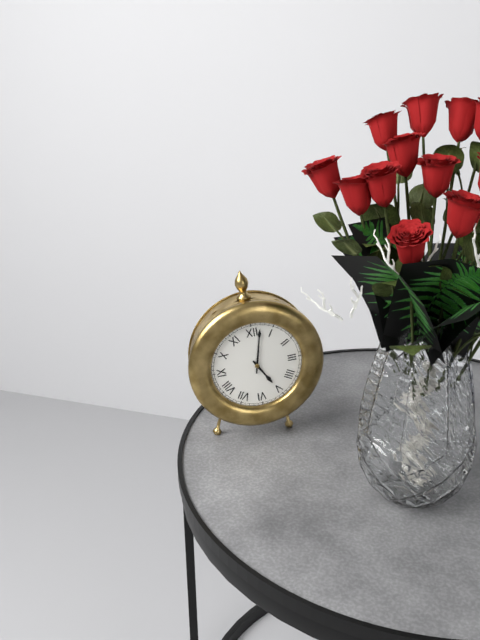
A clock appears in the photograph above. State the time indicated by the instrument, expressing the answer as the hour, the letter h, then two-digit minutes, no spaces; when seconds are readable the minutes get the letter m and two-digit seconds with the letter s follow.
5h02
